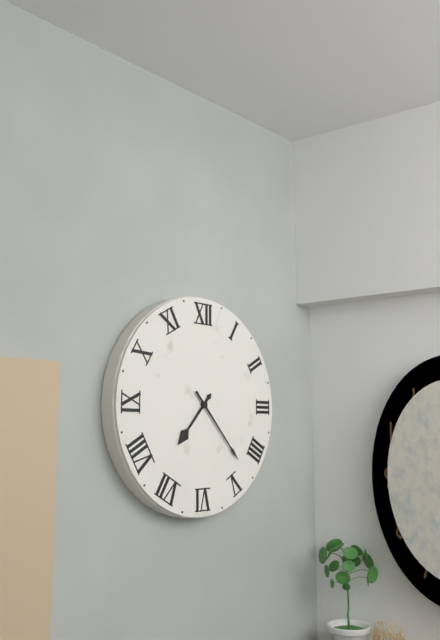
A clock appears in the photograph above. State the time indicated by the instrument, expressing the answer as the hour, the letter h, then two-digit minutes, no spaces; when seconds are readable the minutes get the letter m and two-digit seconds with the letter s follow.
7h23
